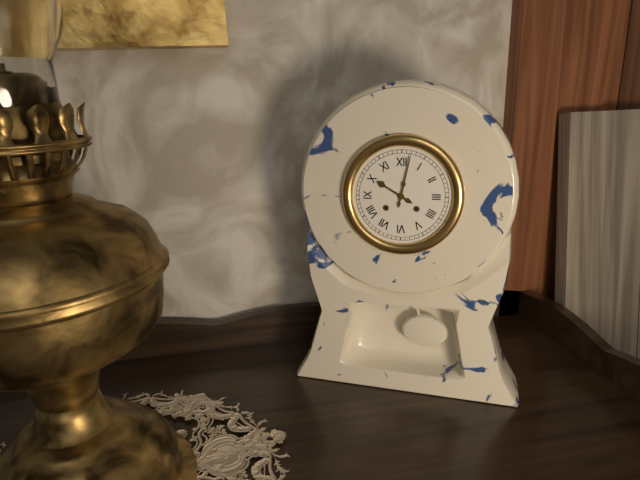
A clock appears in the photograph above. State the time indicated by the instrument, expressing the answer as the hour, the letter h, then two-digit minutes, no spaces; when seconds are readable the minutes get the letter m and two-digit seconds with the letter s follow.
10h02
